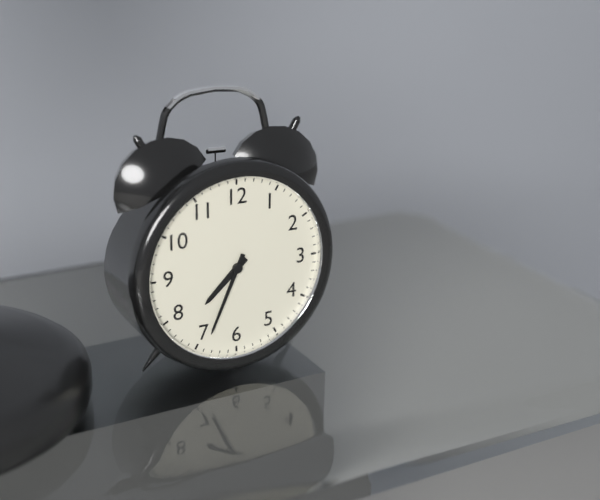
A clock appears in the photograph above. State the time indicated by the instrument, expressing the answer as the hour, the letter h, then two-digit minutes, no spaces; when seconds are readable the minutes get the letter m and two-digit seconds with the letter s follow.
7h34
